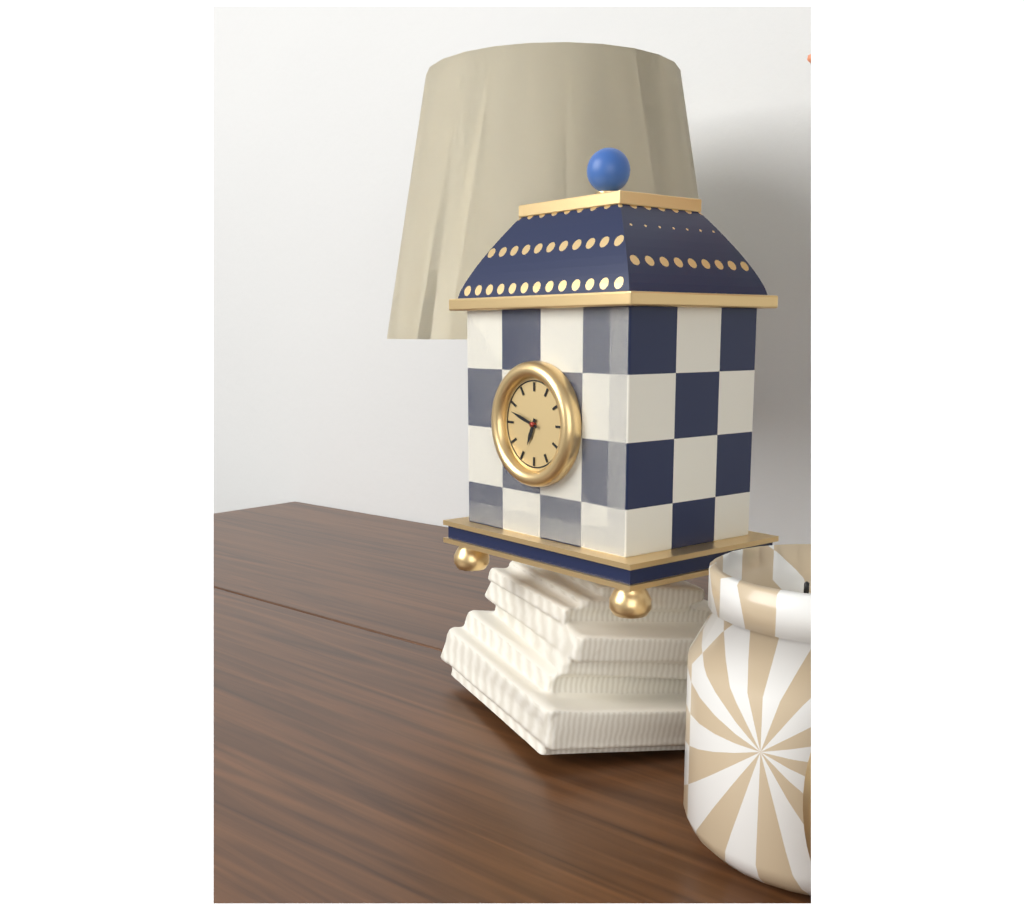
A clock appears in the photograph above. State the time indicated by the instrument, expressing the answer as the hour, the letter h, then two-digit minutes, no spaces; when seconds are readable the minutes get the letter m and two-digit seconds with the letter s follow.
6h48
